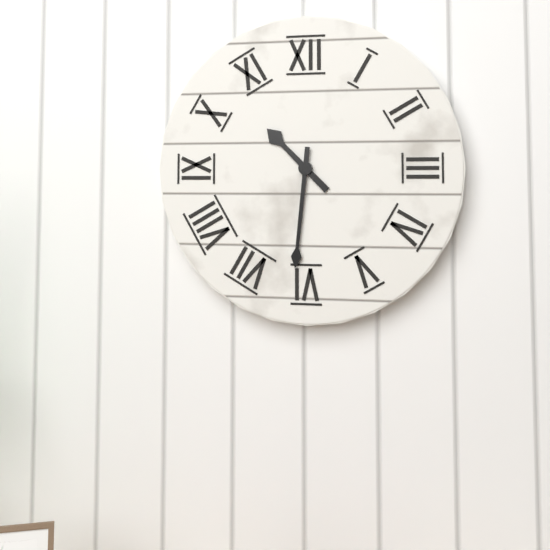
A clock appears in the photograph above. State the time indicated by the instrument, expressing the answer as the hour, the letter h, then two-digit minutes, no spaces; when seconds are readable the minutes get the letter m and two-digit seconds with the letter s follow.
10h31
